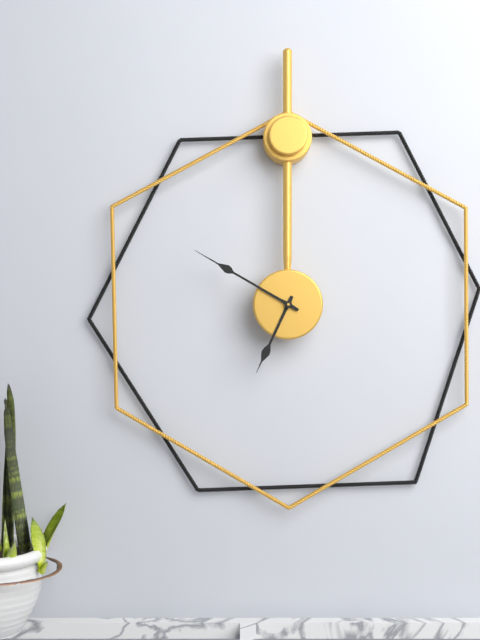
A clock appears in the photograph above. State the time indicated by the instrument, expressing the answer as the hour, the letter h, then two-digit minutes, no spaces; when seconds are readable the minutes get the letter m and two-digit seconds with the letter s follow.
6h50
